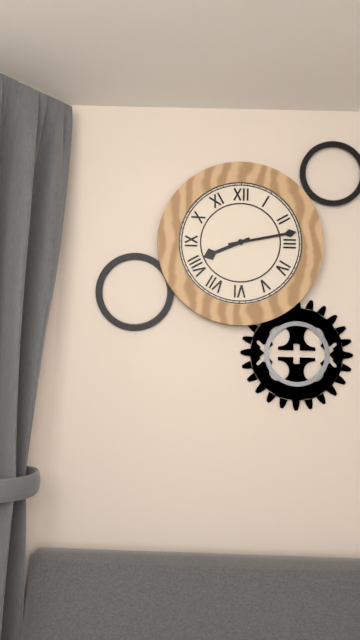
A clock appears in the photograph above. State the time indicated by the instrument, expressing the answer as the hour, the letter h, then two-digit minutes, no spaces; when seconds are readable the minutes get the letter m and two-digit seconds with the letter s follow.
8h13
